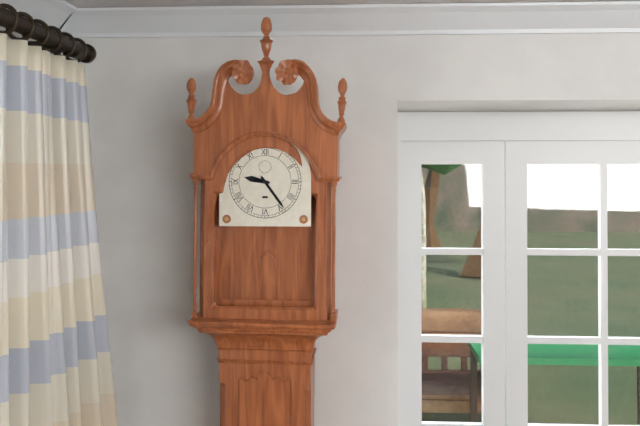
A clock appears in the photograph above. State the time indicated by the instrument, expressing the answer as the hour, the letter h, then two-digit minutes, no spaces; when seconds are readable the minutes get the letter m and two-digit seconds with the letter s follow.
9h24
